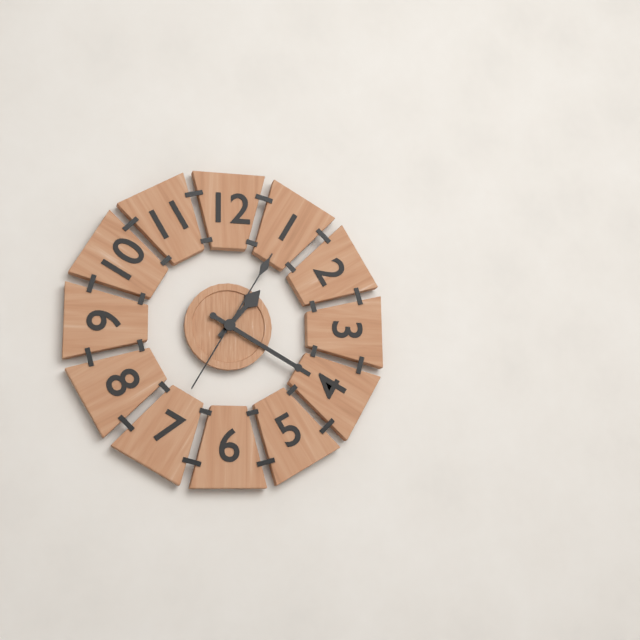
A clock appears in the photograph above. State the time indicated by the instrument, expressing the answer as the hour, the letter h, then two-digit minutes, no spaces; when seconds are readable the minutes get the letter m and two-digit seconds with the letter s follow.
1h20m05s
